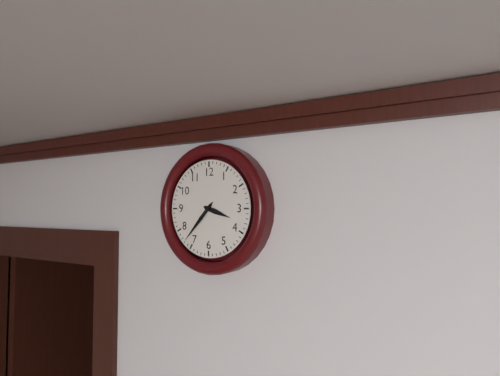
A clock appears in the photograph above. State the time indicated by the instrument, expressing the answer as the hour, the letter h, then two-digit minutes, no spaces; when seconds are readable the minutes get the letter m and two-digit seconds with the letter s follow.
3h37
